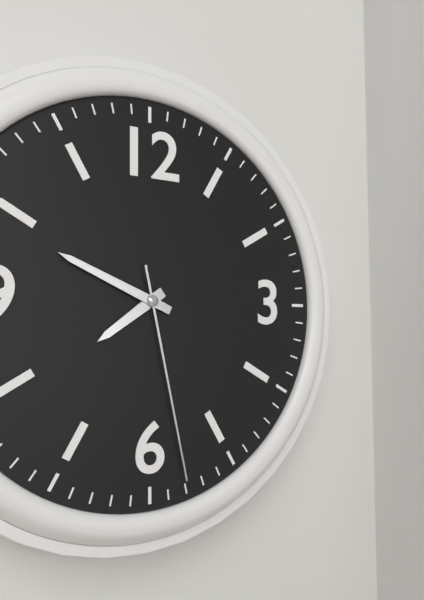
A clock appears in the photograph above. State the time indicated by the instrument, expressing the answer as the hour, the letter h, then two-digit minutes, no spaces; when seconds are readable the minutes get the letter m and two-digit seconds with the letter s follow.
7h49m28s
